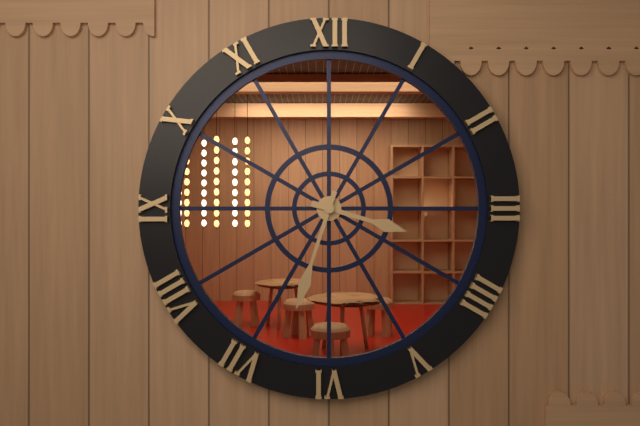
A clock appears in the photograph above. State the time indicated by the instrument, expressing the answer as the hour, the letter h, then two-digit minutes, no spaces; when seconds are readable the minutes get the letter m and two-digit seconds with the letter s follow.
3h33
